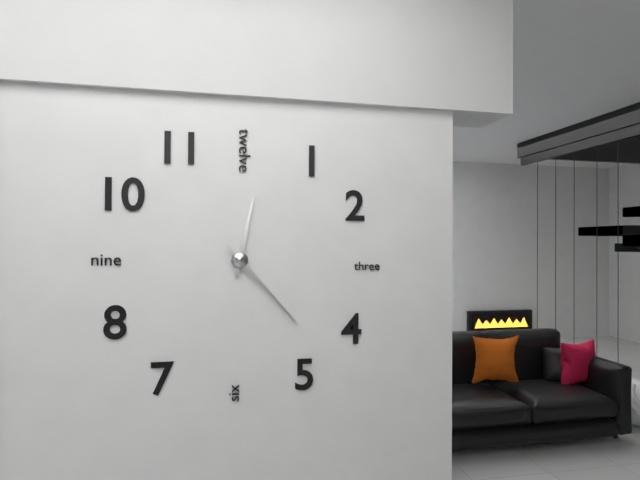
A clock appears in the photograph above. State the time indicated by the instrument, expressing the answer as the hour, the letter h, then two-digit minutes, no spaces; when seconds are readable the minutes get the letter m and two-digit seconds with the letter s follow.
12h23
